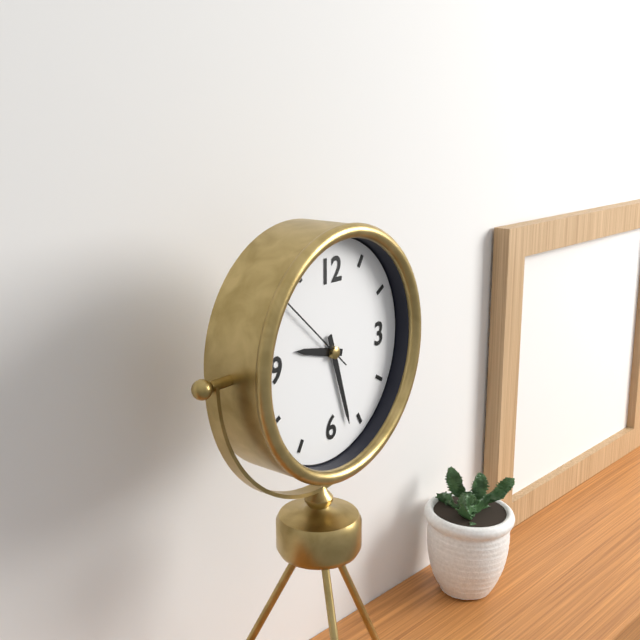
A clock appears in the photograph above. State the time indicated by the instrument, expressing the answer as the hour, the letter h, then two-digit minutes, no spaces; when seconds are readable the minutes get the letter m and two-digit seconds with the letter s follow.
9h27m52s
